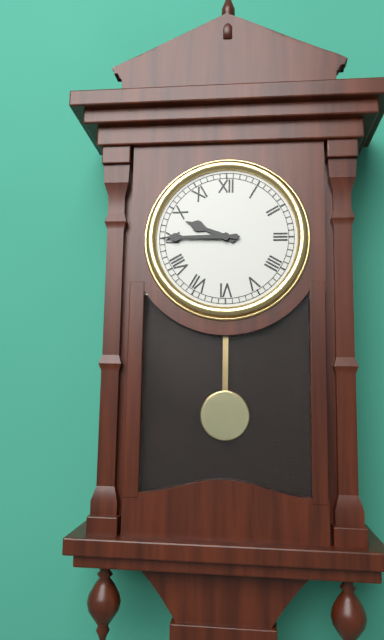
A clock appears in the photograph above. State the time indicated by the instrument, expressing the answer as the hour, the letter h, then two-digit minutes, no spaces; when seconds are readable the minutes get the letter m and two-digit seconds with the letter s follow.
9h45
